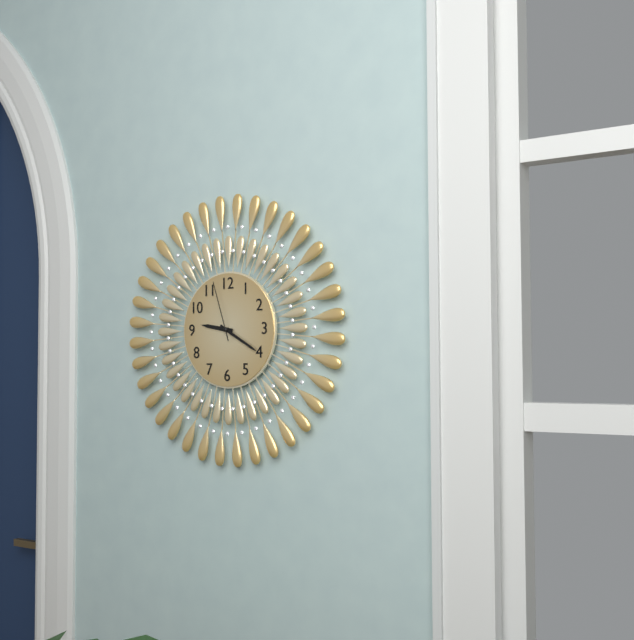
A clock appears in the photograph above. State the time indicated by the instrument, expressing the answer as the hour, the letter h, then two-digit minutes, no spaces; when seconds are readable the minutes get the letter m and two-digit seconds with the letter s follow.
9h20m57s
